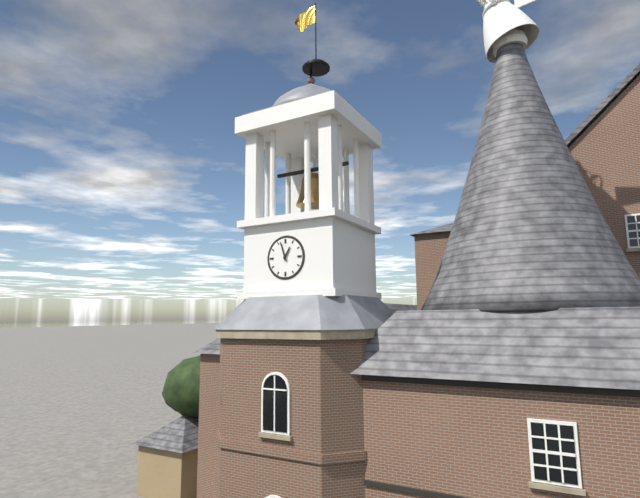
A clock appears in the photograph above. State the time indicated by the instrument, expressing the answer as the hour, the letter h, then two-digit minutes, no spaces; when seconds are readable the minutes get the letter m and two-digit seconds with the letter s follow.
12h57
